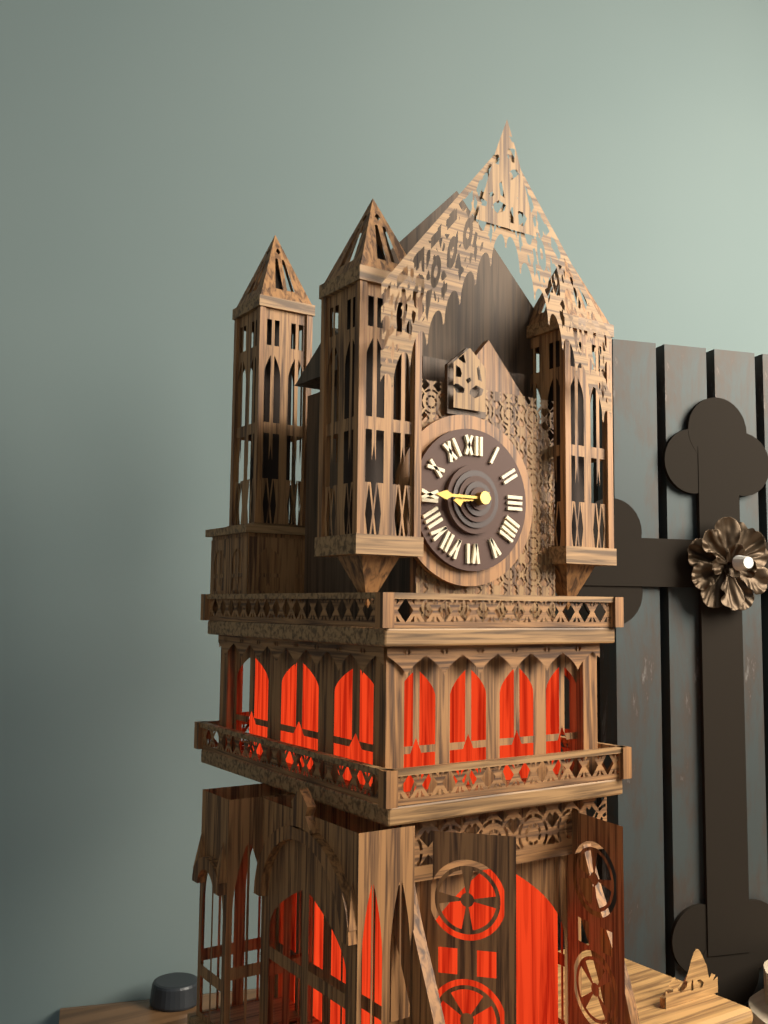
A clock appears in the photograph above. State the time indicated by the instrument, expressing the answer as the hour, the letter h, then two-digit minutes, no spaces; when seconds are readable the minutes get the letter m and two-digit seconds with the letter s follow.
8h45
